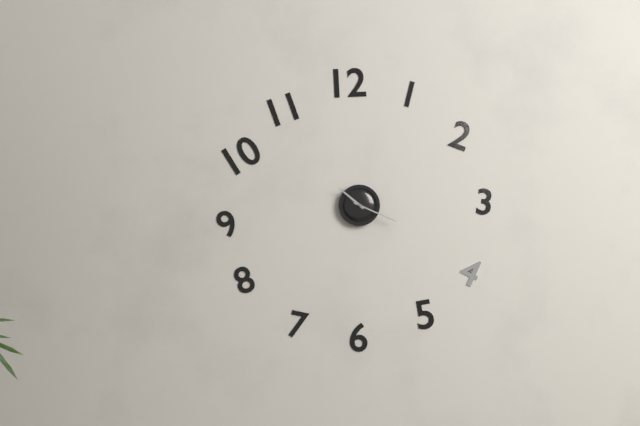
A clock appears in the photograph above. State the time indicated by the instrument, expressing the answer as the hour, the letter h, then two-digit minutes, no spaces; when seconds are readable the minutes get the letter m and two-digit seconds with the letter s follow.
10h19
